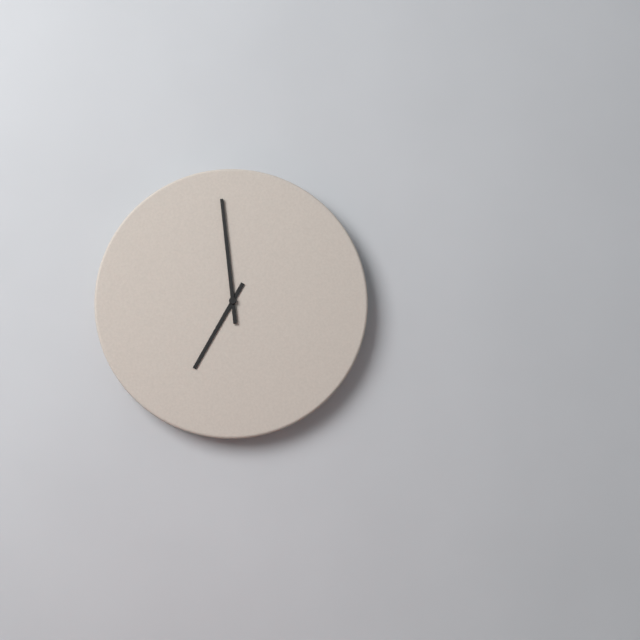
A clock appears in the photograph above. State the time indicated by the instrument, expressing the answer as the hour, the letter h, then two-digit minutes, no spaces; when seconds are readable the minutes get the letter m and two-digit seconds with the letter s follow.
6h59
